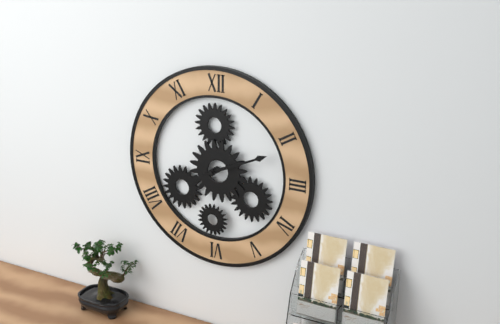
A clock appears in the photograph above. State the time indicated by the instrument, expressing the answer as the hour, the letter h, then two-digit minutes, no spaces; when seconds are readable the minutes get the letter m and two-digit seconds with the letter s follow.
2h11
